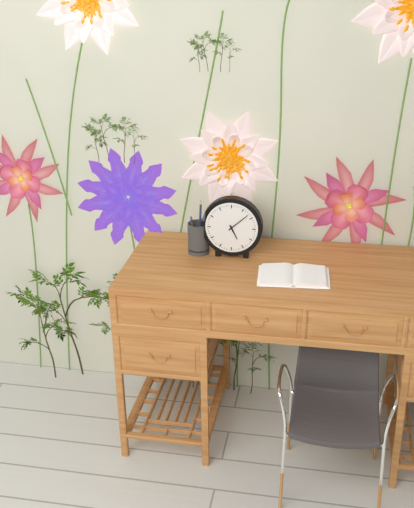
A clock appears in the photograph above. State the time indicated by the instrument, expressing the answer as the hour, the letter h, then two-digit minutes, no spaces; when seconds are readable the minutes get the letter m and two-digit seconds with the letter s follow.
5h08
